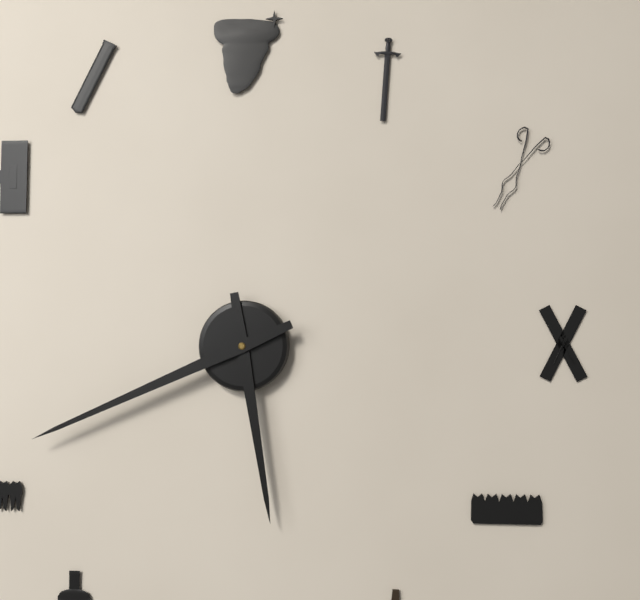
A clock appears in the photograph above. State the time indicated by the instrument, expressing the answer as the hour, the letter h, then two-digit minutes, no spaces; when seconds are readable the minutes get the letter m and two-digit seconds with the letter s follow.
5h41
